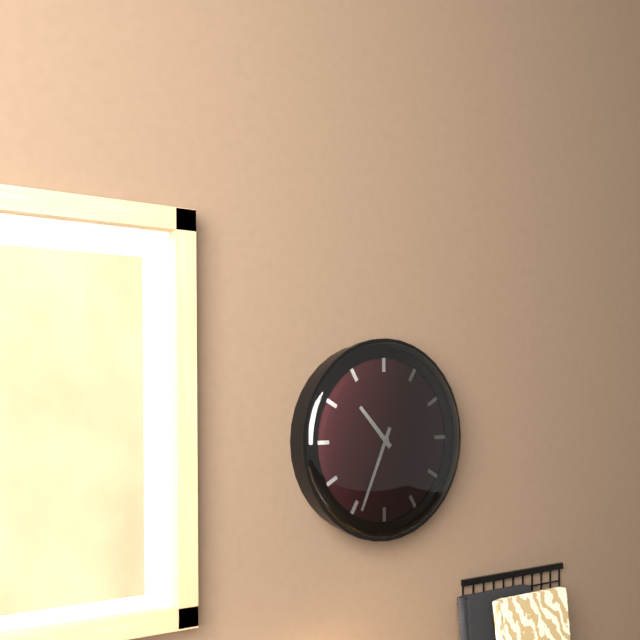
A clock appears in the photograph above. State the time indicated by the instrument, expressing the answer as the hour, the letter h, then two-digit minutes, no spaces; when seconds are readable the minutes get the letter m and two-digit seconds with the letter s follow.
10h34
